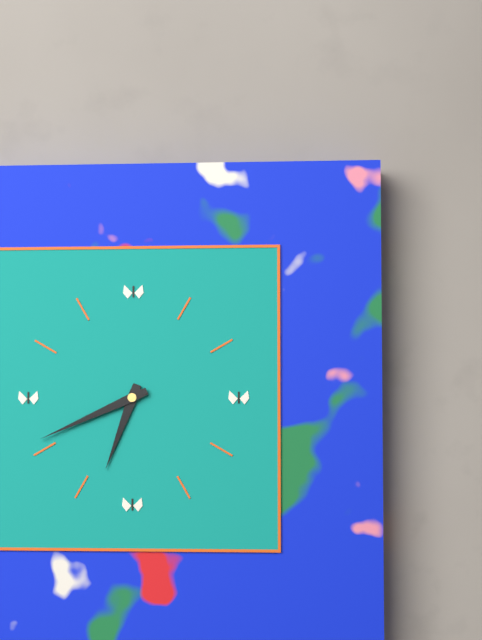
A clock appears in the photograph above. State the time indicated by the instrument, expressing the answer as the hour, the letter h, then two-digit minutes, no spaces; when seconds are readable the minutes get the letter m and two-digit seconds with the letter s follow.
6h41
